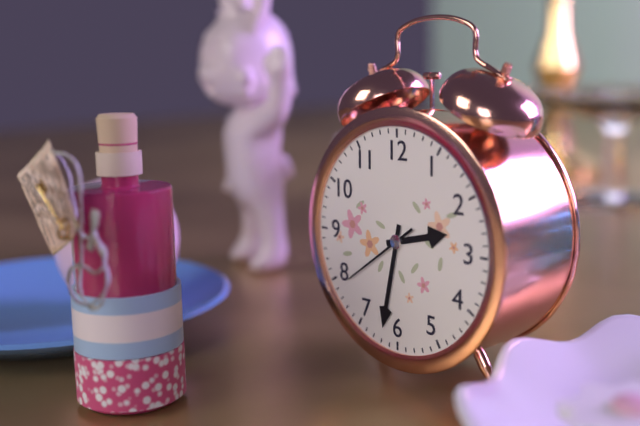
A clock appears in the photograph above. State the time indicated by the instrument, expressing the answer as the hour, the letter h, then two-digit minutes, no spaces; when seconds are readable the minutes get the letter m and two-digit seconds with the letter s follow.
2h32m39s
